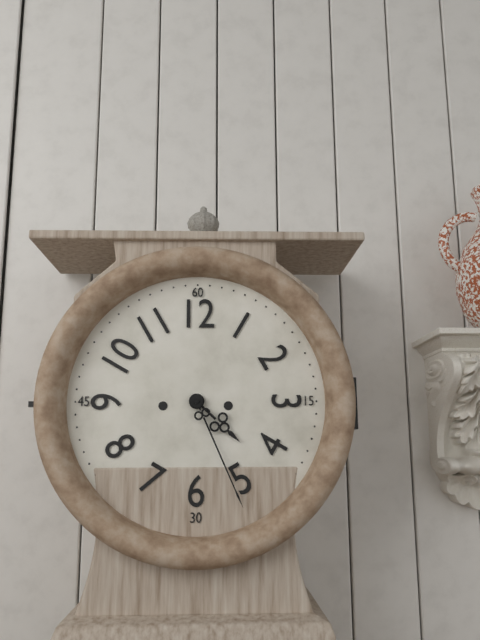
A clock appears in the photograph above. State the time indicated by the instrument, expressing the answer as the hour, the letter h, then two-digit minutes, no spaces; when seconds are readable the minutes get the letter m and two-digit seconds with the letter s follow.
4h26
